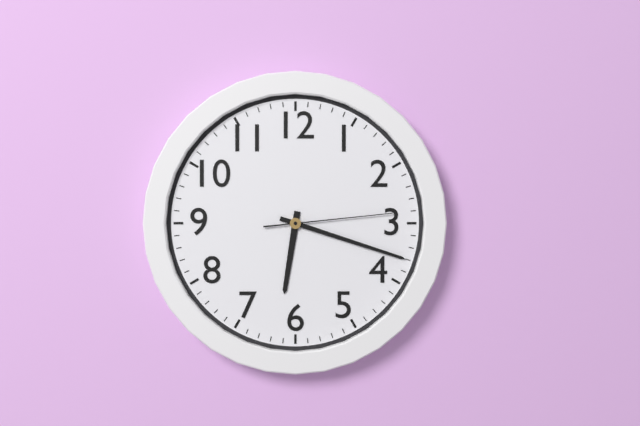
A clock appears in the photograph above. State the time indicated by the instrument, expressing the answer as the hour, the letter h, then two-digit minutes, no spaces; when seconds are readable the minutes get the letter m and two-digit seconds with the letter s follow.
6h18m14s
